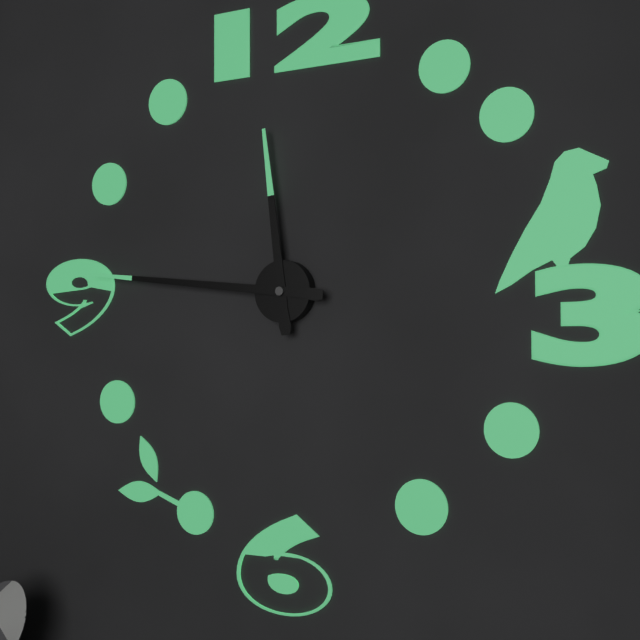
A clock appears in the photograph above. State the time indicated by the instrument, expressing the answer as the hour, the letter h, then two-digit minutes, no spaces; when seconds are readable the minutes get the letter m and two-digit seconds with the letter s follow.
11h46
